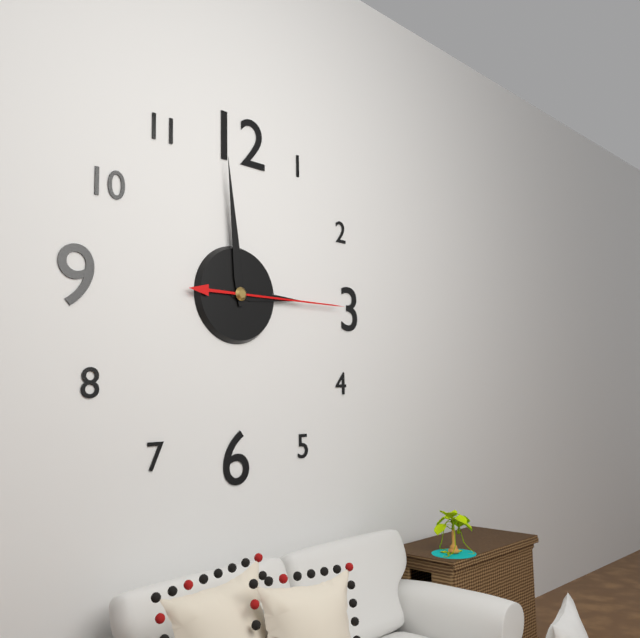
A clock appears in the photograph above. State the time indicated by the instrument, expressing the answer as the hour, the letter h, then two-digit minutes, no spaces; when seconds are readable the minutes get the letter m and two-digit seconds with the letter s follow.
2h59m15s
